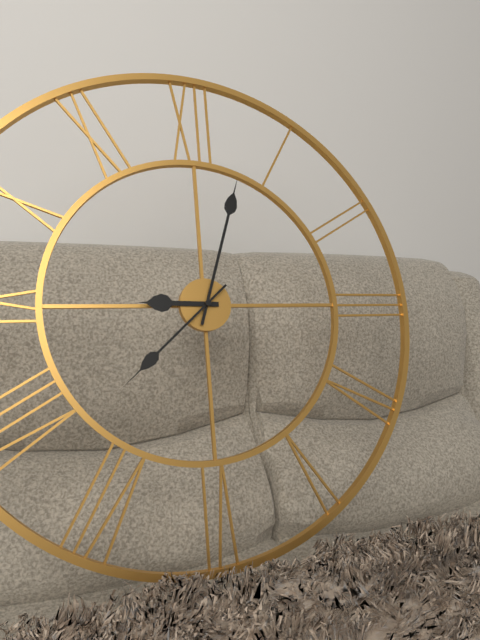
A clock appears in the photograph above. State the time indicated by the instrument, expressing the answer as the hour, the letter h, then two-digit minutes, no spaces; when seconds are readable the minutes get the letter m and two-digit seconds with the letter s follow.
9h03m38s
